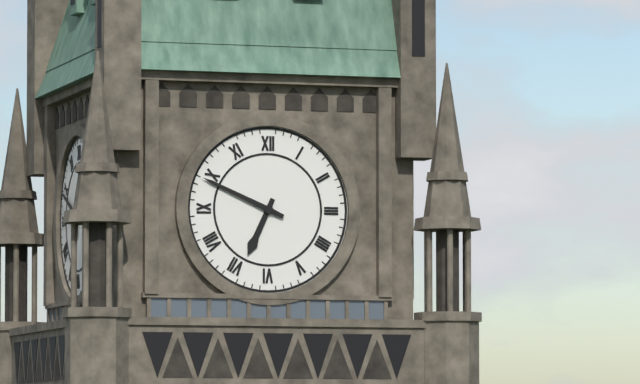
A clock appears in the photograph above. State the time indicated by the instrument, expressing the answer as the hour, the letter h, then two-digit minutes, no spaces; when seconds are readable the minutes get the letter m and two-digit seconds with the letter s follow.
6h49
